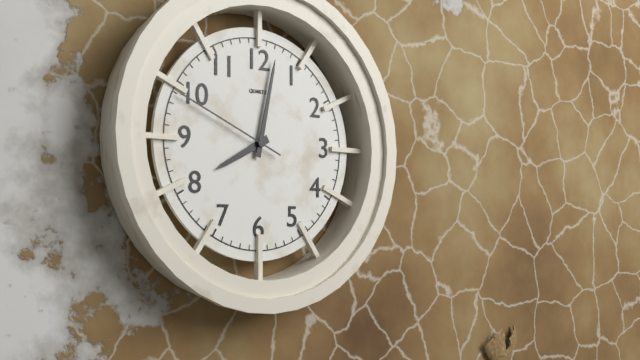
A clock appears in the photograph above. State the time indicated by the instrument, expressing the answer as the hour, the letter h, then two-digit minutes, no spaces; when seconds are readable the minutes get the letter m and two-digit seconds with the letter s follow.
8h02m49s
